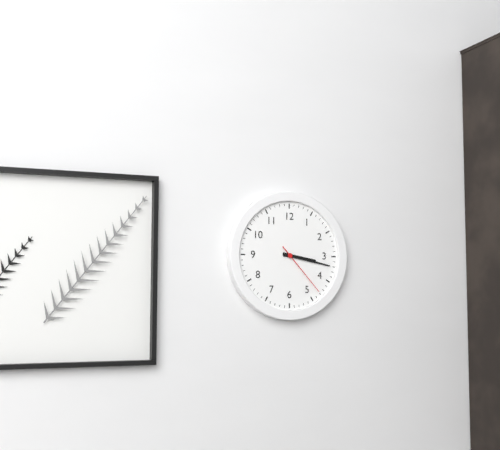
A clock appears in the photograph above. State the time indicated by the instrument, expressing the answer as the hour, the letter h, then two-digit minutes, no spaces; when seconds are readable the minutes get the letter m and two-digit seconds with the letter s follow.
3h17m23s
